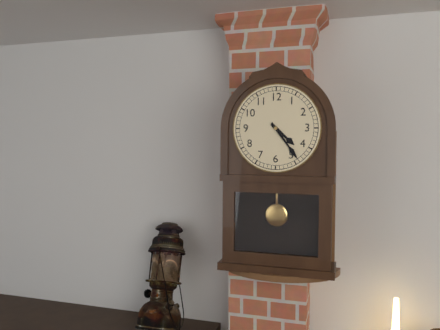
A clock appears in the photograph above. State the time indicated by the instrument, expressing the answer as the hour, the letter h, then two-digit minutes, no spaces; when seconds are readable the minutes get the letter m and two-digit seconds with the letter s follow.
4h24
